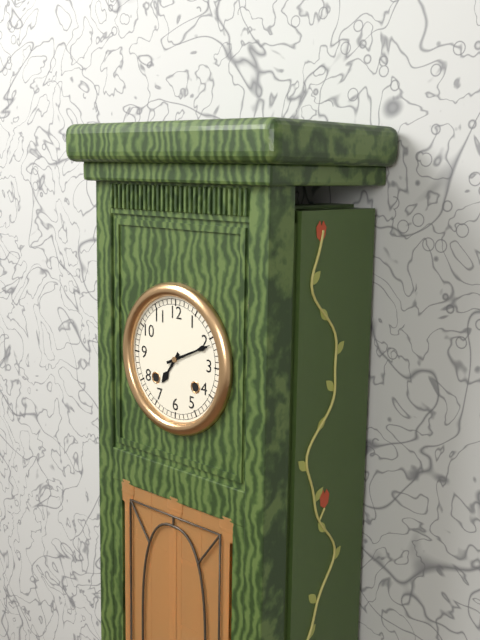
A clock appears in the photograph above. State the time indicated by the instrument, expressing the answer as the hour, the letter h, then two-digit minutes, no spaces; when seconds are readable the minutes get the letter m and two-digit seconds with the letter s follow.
7h11
